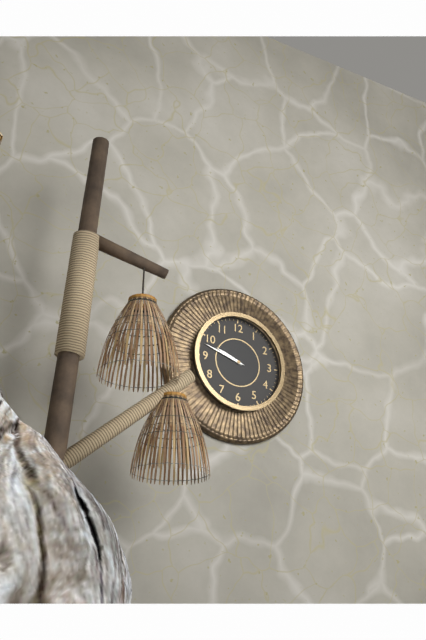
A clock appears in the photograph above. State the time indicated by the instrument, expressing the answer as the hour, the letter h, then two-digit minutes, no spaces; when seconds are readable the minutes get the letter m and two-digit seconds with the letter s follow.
9h48
